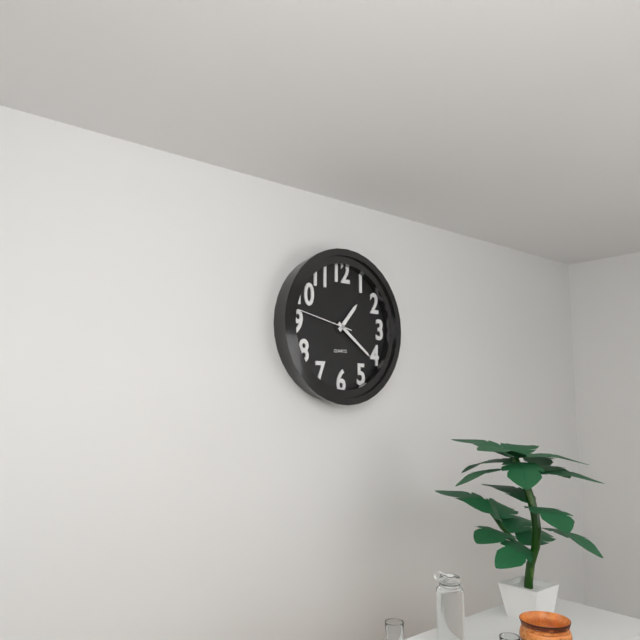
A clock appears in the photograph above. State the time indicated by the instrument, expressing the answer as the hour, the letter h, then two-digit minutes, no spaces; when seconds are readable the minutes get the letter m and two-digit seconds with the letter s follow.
1h21
